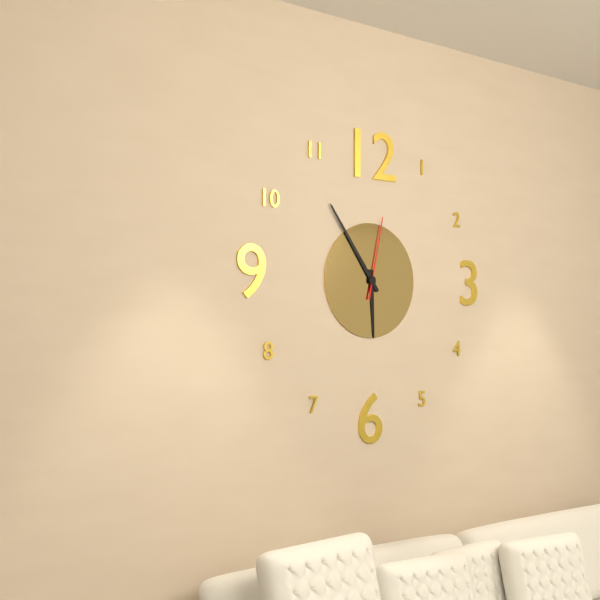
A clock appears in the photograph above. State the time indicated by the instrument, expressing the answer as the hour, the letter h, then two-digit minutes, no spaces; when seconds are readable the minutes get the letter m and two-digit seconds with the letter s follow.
5h54m02s
